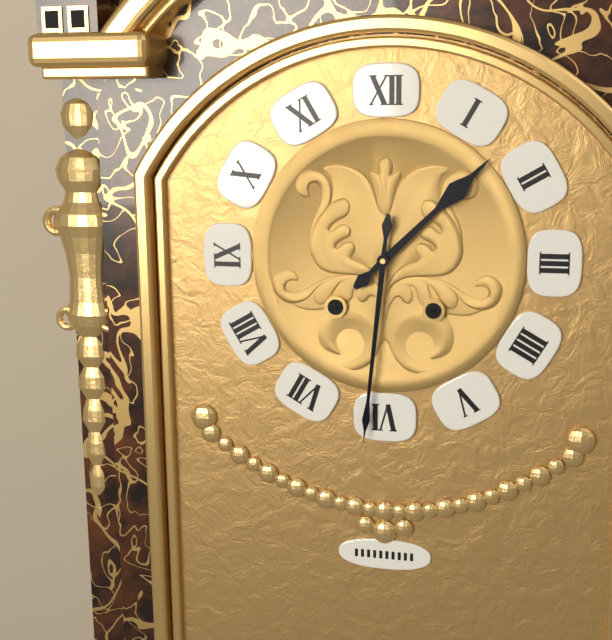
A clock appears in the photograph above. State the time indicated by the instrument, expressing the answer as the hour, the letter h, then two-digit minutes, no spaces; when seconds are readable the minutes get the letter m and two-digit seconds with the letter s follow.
1h31
